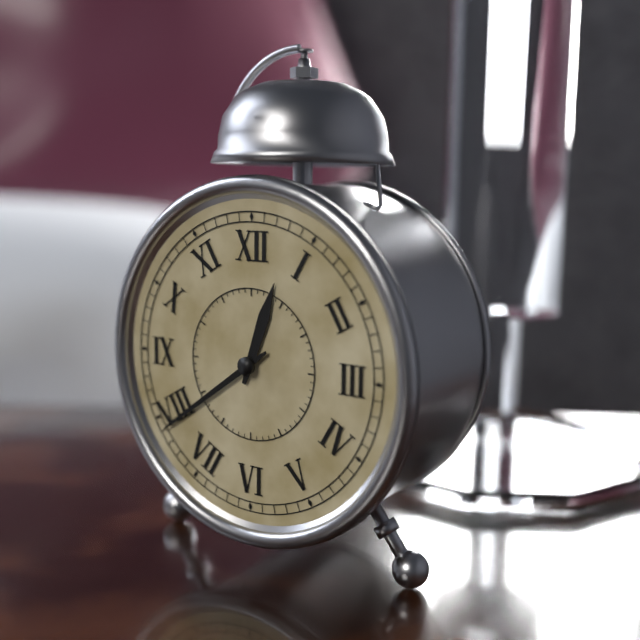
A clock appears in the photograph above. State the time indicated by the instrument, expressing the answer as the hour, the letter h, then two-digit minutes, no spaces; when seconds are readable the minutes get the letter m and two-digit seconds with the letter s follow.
12h39
